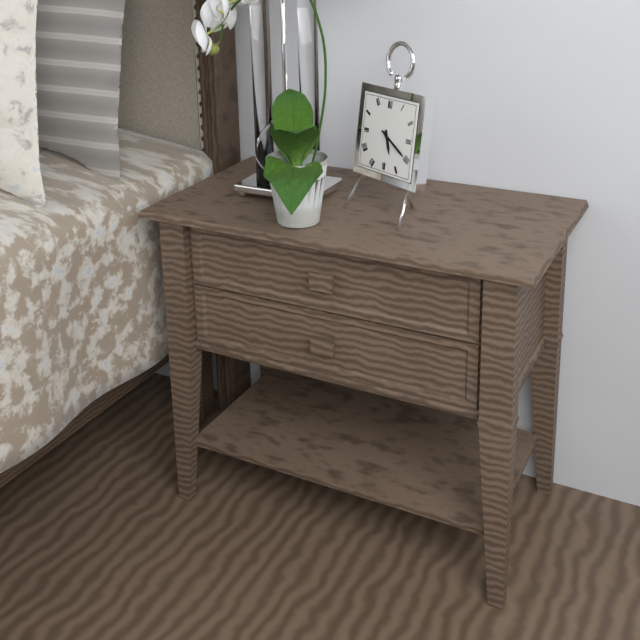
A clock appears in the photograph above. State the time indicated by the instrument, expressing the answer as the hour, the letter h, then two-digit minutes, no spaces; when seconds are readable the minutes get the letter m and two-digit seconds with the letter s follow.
5h20
